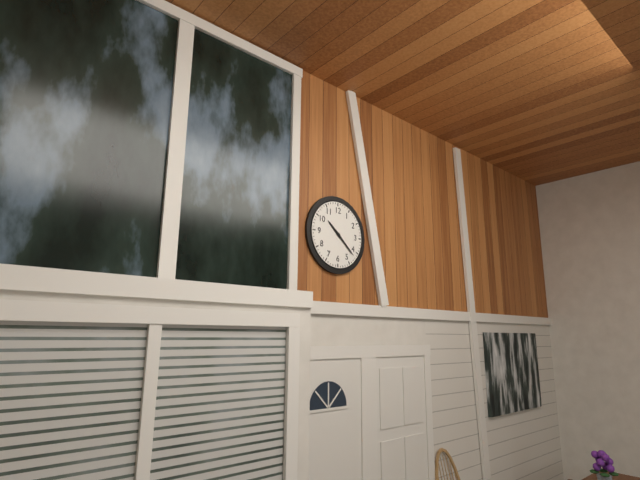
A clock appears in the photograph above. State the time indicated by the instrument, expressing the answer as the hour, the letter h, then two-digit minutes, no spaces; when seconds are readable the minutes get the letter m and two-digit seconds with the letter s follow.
10h22
